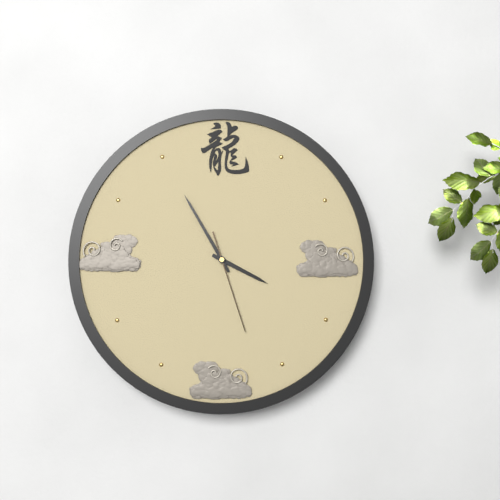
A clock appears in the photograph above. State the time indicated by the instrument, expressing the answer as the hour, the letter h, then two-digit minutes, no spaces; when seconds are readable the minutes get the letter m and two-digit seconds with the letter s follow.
3h55m27s
